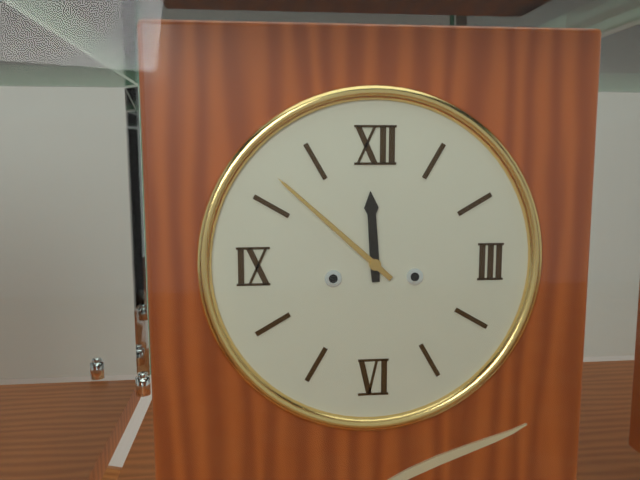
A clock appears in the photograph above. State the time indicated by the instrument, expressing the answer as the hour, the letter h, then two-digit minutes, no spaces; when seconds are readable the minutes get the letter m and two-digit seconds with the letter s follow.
11h52
